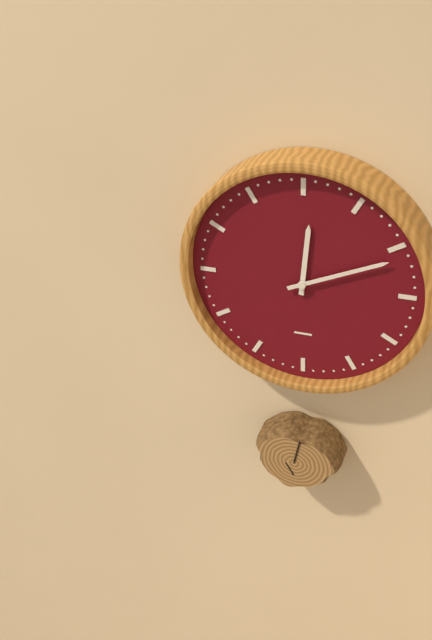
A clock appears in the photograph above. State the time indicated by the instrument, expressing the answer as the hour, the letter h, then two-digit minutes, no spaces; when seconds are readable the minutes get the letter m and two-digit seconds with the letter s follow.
12h11
